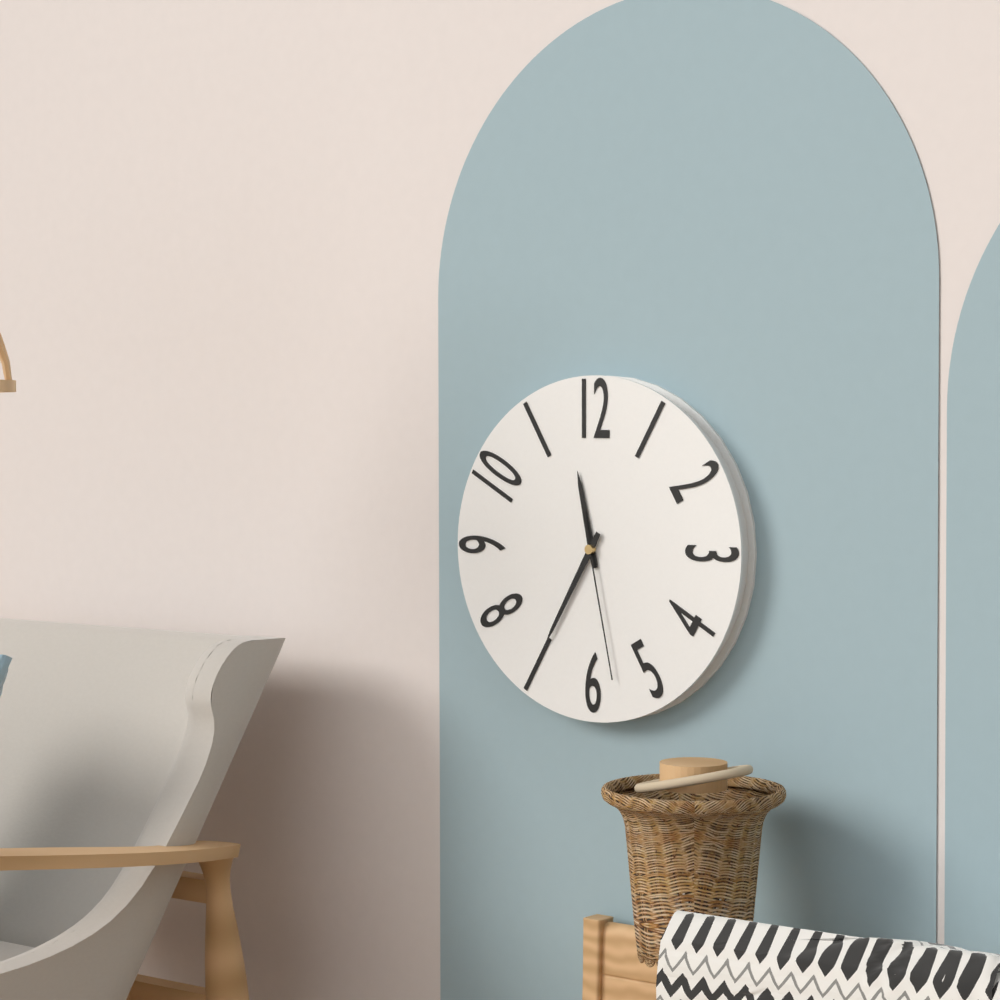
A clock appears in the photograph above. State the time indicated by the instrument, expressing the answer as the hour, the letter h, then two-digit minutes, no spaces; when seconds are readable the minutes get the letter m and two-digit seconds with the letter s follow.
11h35m28s
